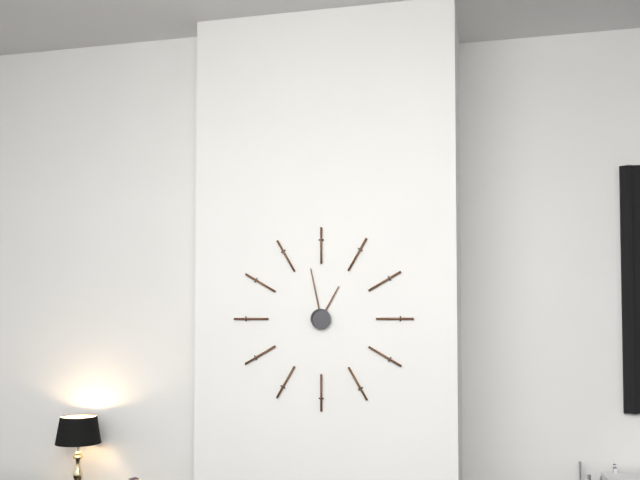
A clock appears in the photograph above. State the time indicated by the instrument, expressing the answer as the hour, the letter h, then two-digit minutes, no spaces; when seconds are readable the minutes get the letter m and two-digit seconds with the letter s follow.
12h58
